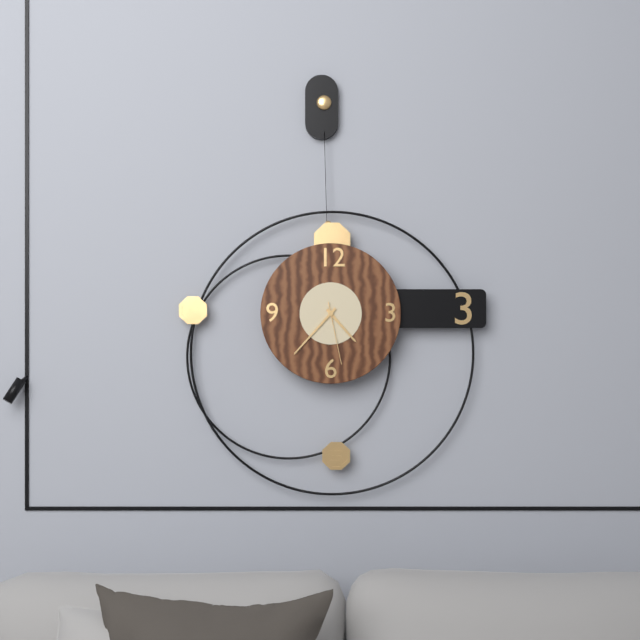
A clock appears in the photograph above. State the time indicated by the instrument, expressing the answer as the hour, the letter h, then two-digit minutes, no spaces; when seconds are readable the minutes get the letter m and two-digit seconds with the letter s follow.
4h37m28s
